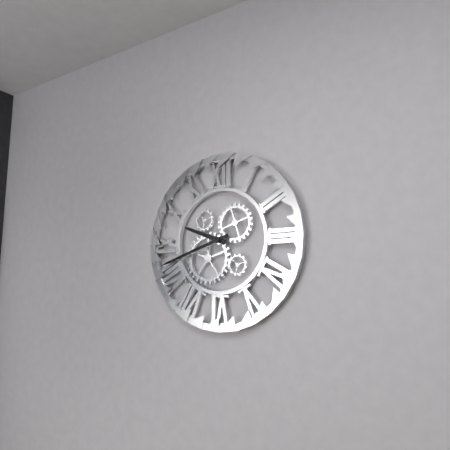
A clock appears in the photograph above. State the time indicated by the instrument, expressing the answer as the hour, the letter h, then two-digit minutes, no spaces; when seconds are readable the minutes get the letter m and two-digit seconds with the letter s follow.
9h42
